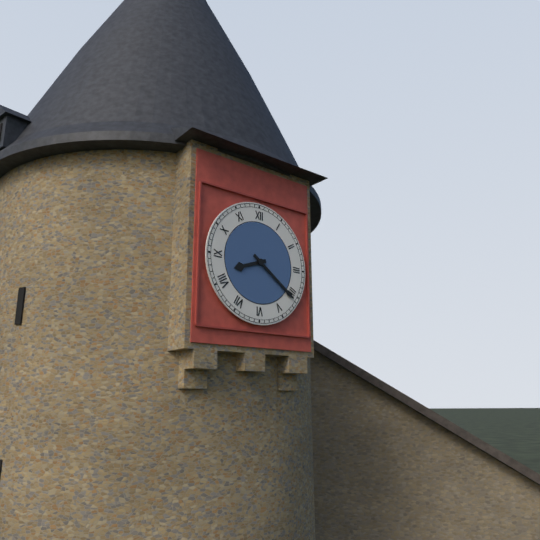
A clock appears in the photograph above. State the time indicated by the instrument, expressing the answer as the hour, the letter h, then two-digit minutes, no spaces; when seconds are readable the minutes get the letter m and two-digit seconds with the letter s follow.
8h21
